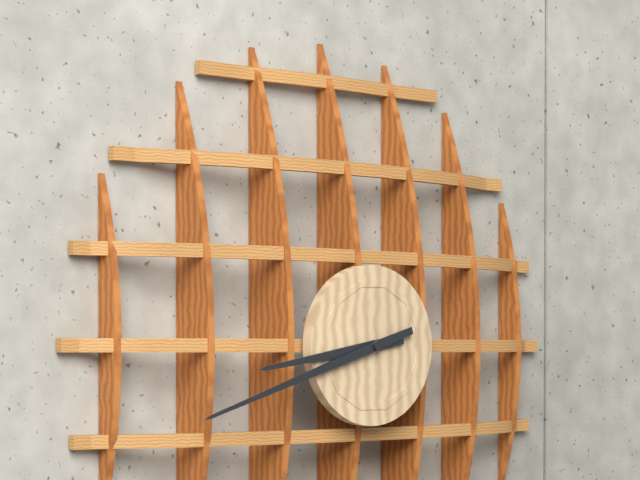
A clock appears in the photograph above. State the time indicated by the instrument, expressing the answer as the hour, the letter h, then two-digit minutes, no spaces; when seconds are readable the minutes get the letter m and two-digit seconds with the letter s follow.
8h42
